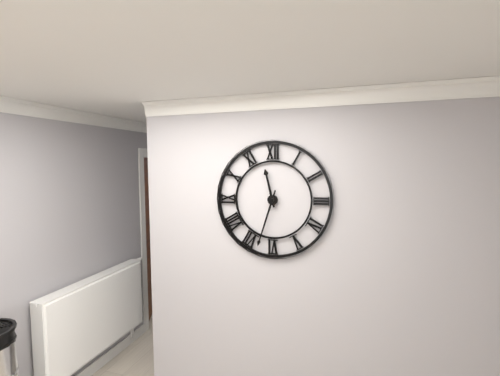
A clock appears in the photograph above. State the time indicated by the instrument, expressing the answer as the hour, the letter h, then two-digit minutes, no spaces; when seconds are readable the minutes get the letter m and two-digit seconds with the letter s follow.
11h33
